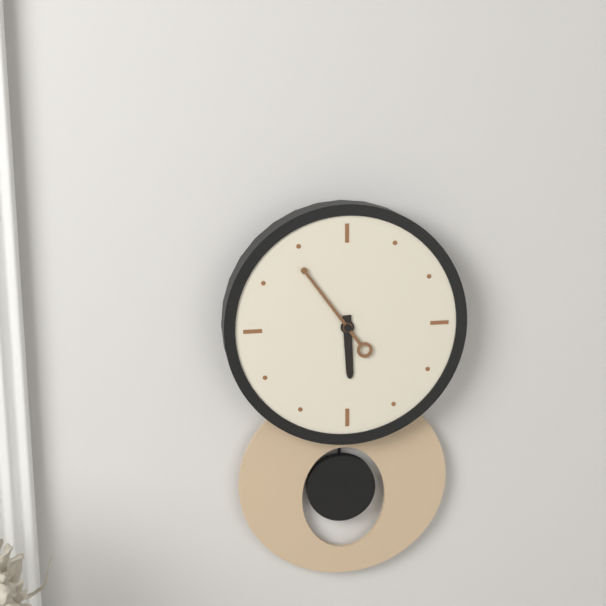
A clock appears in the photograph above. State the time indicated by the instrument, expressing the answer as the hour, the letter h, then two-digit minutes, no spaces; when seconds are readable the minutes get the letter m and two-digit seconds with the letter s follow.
5h54
